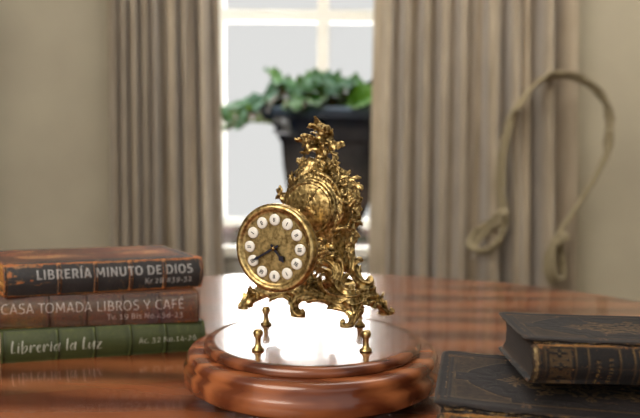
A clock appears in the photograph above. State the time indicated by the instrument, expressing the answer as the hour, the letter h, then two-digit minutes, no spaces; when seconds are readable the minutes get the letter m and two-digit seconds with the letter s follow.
4h40
